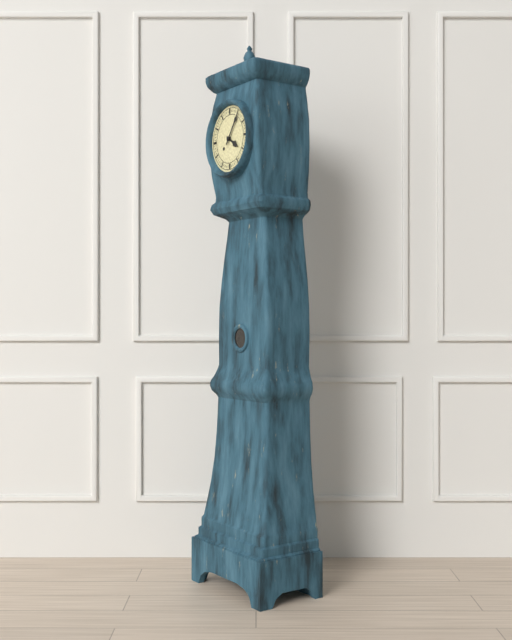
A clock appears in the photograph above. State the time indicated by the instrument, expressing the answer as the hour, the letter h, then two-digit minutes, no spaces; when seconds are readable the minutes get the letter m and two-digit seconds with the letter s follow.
4h06
